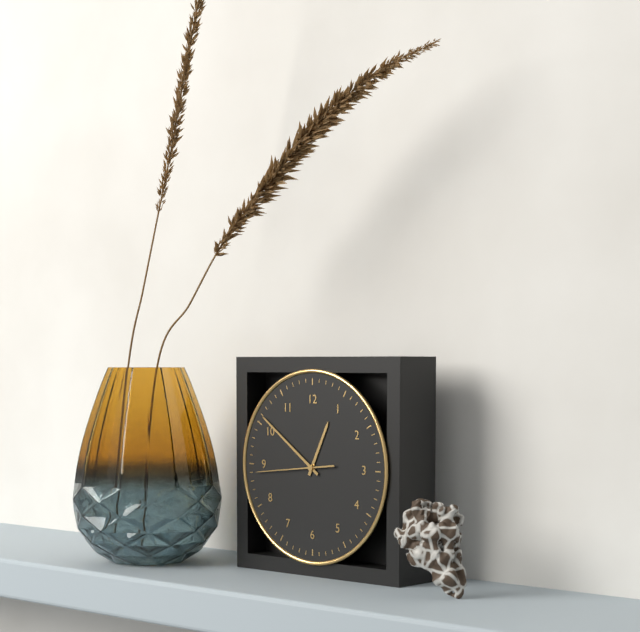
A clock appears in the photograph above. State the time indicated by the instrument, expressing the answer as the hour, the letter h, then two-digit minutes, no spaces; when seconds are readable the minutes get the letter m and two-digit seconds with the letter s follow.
12h51m44s
